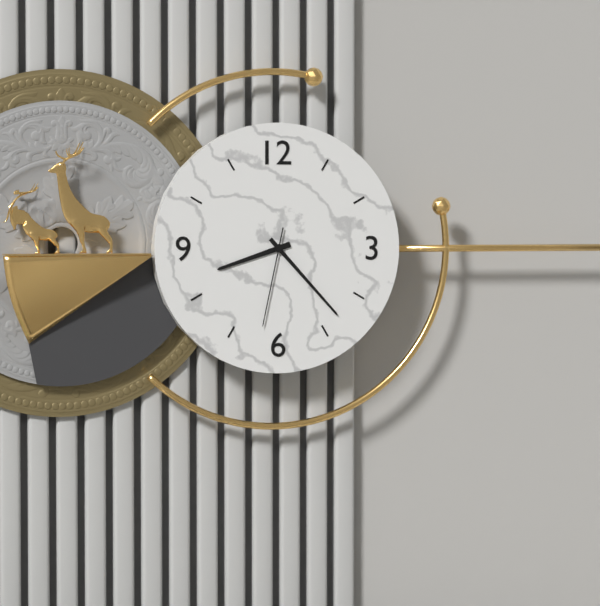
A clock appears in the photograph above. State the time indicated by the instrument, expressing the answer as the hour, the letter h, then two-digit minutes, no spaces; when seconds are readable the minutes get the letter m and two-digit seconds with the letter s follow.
8h23m32s
